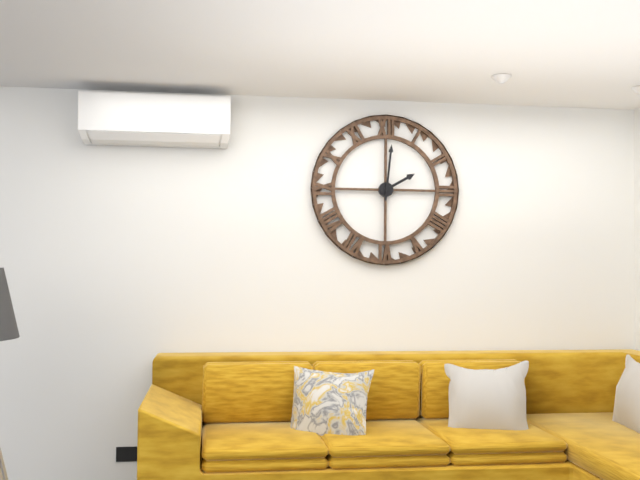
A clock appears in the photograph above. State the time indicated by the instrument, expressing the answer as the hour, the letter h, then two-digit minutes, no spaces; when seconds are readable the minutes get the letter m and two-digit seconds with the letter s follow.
2h01
